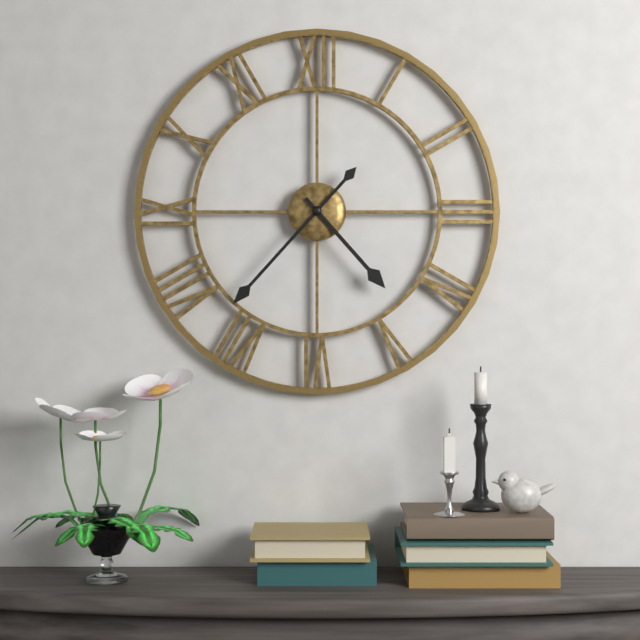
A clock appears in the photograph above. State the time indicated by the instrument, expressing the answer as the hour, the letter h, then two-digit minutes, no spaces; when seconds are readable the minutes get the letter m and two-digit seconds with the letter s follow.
4h37
